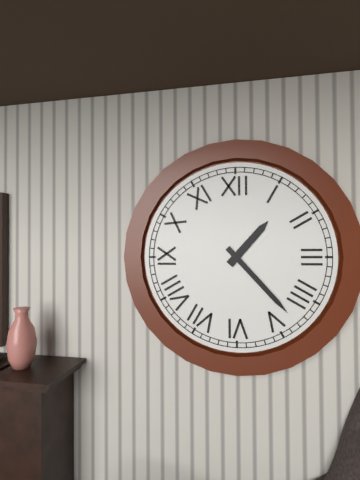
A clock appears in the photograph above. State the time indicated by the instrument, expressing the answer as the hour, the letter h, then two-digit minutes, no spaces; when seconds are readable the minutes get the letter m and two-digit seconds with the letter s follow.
1h23
